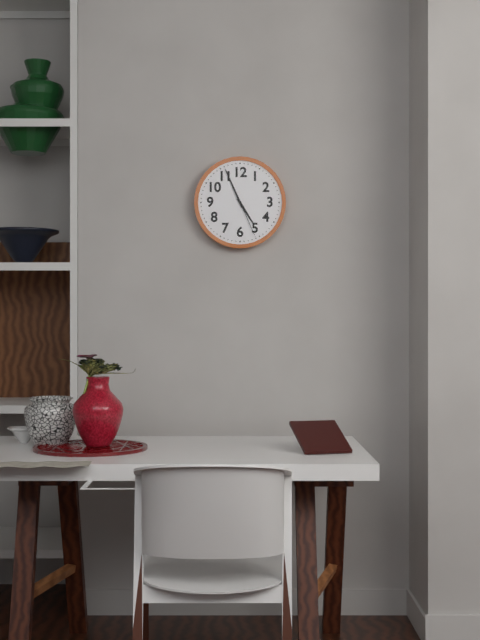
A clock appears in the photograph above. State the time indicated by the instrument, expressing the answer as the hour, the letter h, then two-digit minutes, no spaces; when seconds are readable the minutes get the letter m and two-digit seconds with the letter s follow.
4h56
